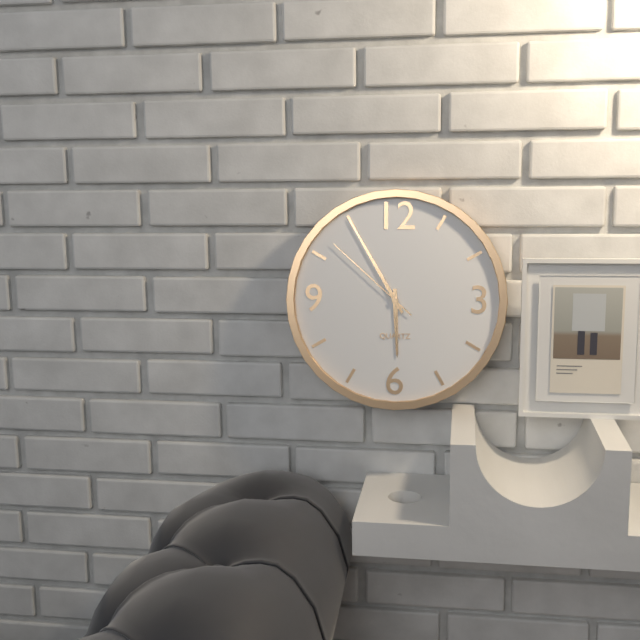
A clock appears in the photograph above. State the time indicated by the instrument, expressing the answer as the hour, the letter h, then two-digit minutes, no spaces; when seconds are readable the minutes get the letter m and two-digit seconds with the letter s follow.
5h55m52s
